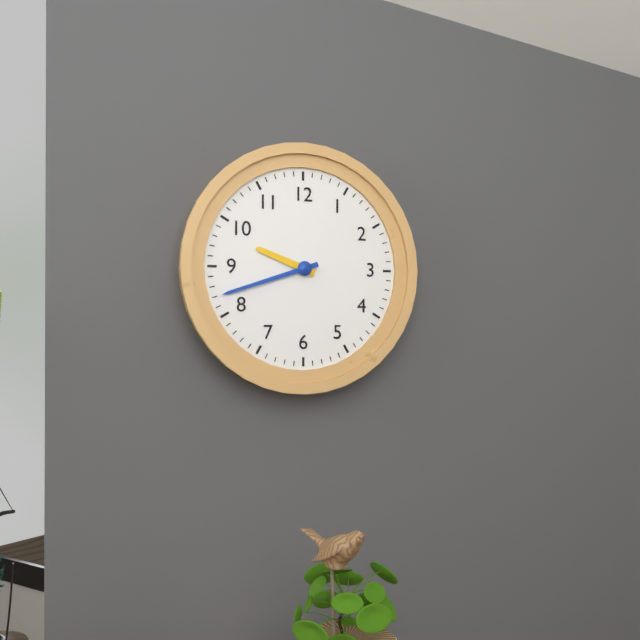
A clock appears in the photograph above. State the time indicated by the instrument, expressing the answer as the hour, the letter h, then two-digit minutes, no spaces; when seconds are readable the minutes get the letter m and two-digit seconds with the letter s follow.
9h42
